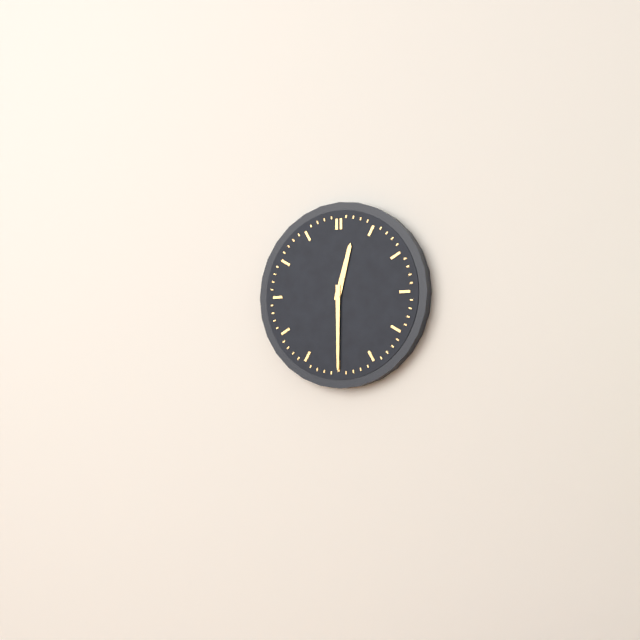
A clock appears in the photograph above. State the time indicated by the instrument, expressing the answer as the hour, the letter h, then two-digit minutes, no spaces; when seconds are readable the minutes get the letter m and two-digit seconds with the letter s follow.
12h30
